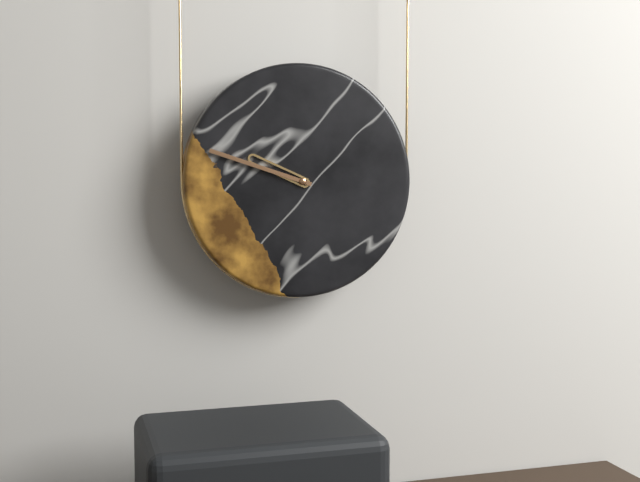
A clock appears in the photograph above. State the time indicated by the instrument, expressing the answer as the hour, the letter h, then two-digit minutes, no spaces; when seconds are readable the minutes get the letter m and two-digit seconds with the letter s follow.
9h48
